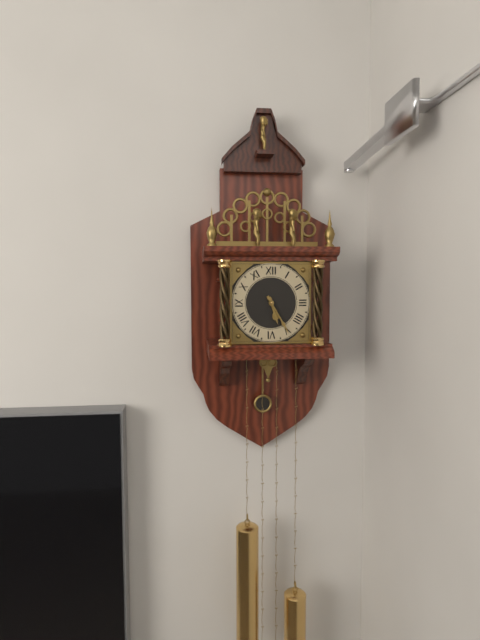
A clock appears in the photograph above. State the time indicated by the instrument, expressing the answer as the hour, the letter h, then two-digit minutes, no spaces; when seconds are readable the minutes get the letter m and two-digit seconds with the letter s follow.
5h25
